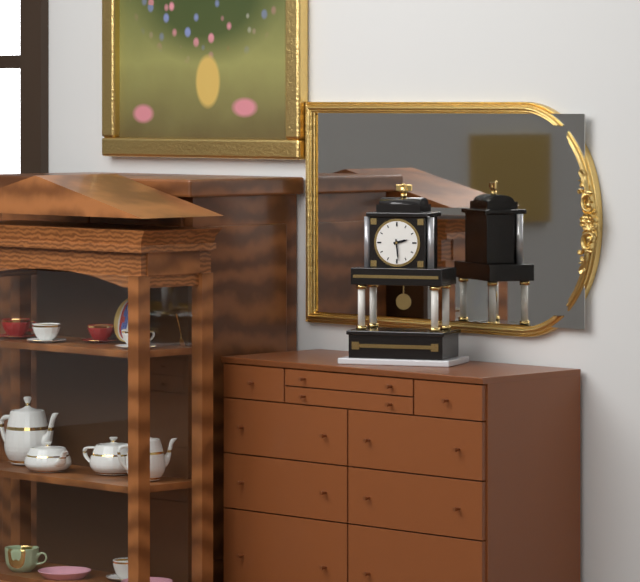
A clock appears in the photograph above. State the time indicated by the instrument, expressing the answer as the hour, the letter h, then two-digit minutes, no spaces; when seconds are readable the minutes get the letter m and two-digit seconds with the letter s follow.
2h29
